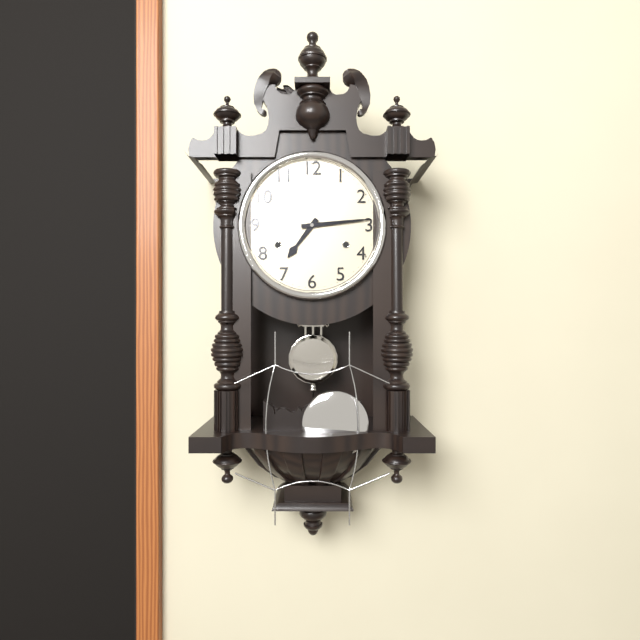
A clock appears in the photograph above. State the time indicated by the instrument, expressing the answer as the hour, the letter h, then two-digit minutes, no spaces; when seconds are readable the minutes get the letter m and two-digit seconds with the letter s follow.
7h14
